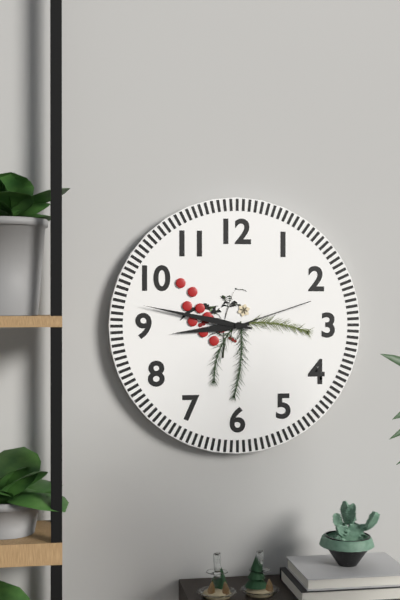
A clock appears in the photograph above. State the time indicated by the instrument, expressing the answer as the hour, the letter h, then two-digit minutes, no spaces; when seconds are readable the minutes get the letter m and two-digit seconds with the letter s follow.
8h47m12s
